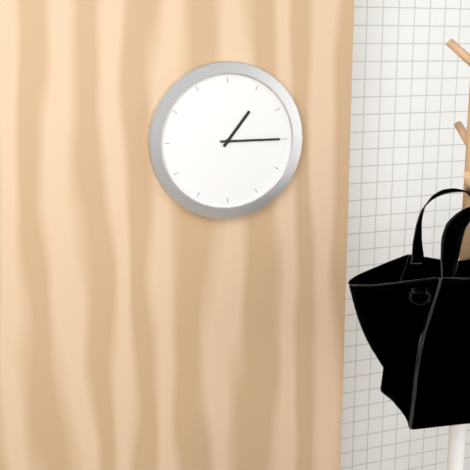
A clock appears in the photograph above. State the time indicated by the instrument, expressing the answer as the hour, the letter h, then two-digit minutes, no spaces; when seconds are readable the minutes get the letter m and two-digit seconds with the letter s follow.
1h15
